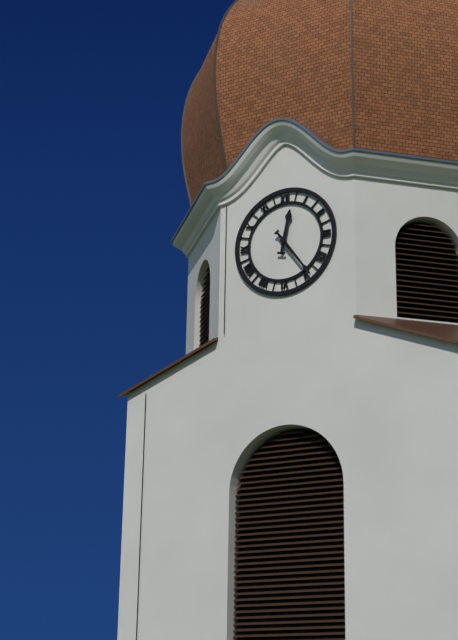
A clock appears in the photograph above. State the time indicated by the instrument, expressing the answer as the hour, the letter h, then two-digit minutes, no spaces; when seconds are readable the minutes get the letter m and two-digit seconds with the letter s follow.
12h24
